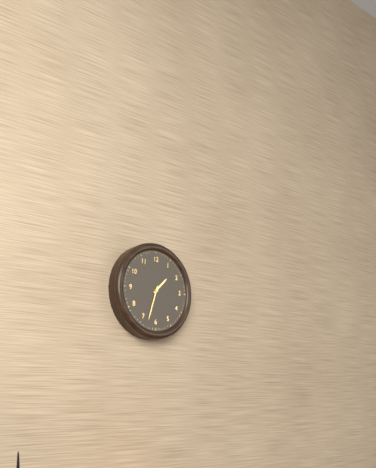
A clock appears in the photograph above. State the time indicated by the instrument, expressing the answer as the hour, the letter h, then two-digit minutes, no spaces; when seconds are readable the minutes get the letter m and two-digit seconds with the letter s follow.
1h33
